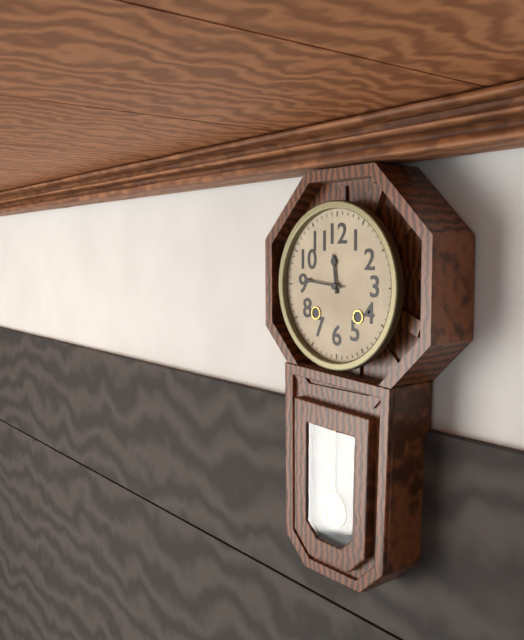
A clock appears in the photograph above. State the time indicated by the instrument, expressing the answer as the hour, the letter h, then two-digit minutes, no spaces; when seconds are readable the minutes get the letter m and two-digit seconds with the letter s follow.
11h46
